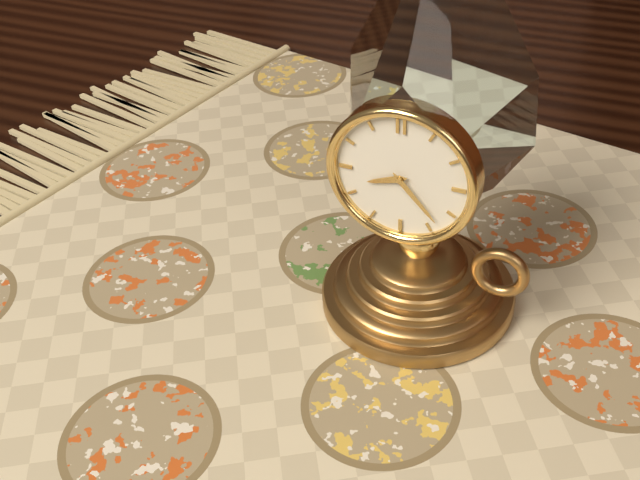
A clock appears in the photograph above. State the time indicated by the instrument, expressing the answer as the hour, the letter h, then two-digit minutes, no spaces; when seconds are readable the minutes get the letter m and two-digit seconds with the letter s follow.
8h23
